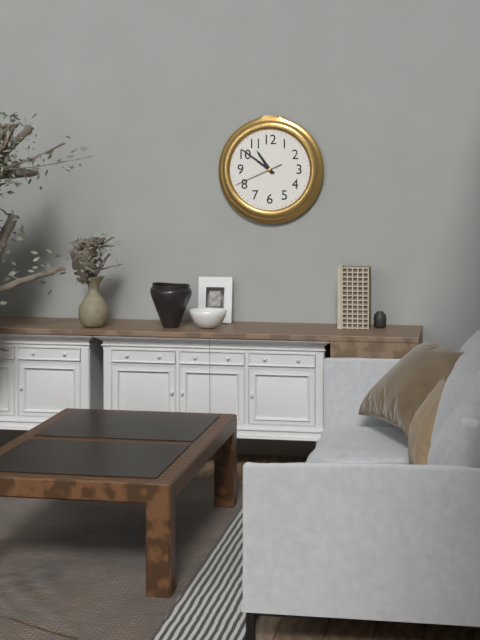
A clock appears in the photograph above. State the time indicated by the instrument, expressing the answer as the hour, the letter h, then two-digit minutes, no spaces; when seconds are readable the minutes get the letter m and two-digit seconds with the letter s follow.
10h51
